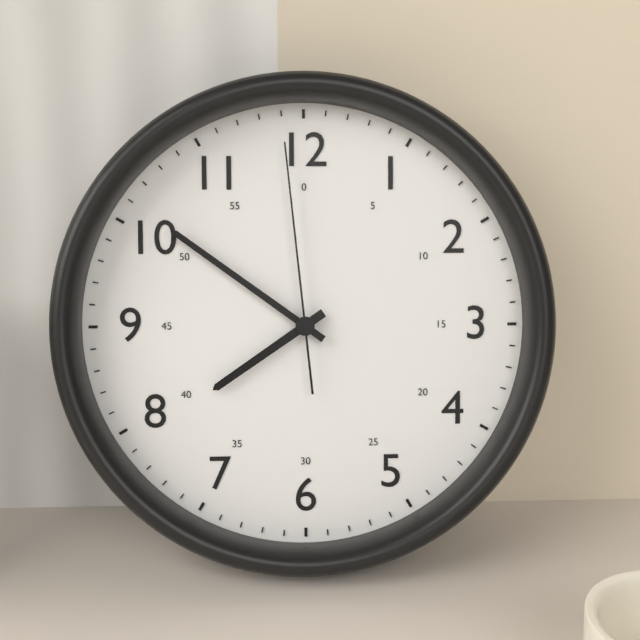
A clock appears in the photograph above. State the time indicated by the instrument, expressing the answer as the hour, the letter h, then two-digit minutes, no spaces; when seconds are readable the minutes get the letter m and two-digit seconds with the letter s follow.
7h51m59s
